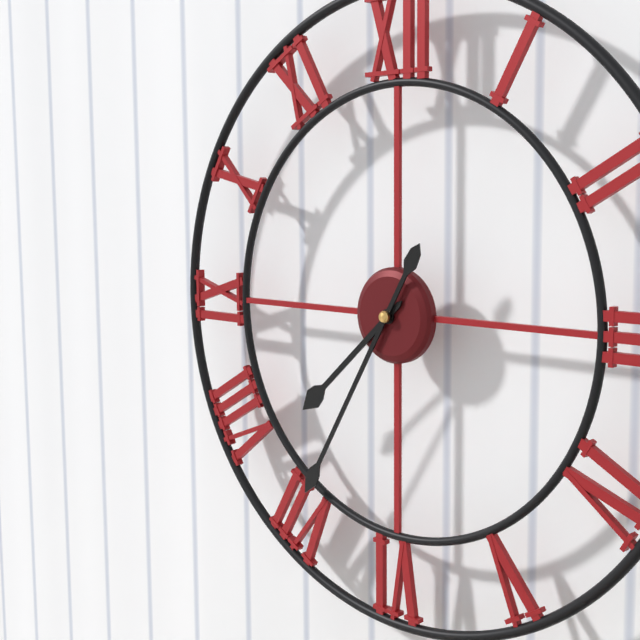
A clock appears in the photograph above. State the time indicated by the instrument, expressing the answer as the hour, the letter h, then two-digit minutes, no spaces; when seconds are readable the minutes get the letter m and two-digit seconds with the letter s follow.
7h35
